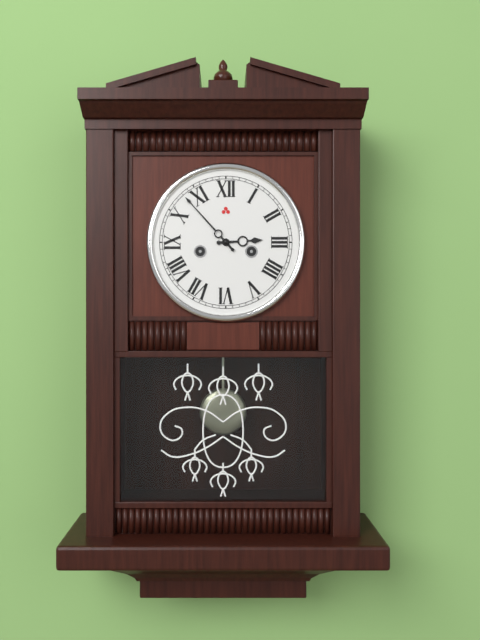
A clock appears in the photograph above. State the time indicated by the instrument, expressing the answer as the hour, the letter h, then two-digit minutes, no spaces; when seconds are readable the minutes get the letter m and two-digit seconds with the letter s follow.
2h53
